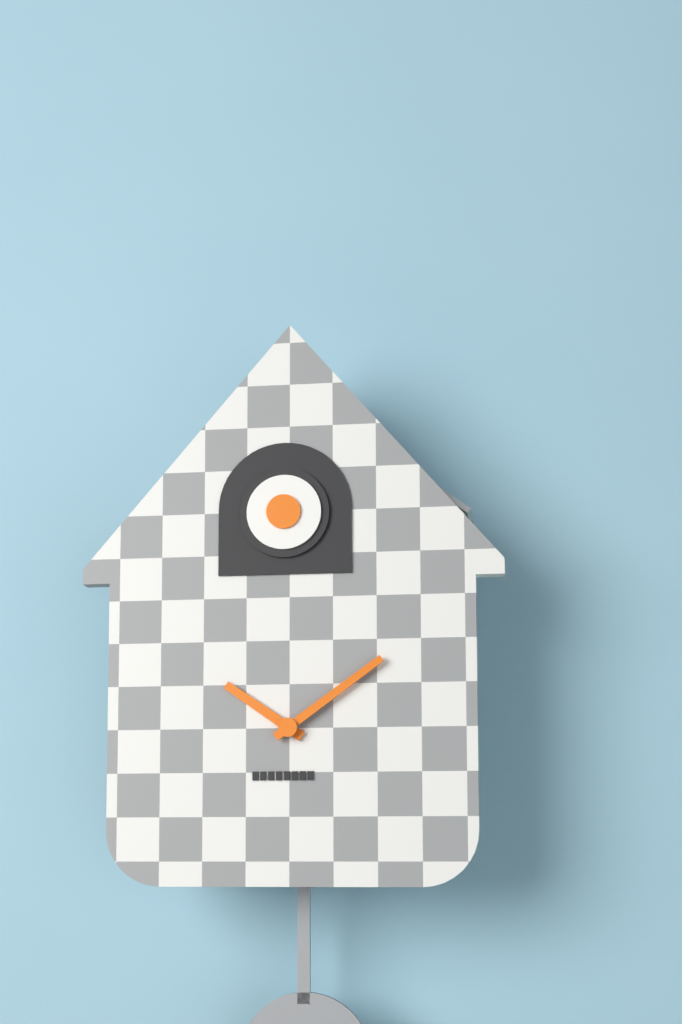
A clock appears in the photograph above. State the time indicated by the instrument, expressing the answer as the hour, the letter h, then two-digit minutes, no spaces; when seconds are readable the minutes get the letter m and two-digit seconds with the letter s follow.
10h09
